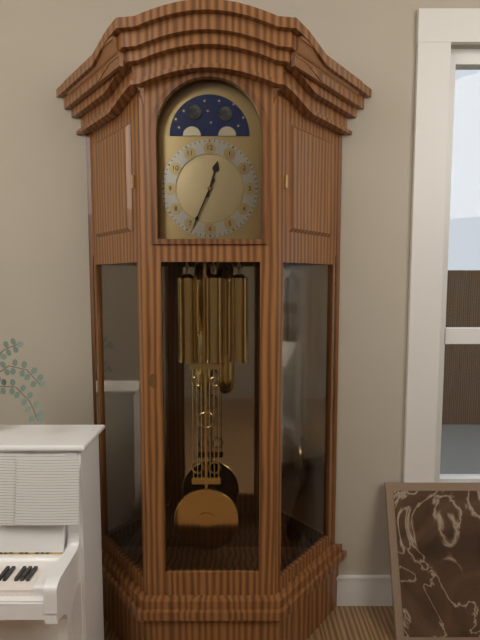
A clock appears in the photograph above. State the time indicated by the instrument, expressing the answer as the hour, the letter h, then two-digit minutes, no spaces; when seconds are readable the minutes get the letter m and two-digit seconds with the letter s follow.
12h34
